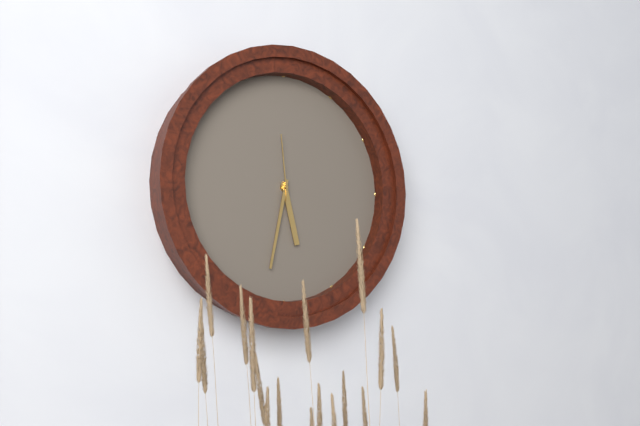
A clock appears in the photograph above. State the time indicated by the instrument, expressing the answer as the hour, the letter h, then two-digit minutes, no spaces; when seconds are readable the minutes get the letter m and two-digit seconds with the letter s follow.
5h32m59s
